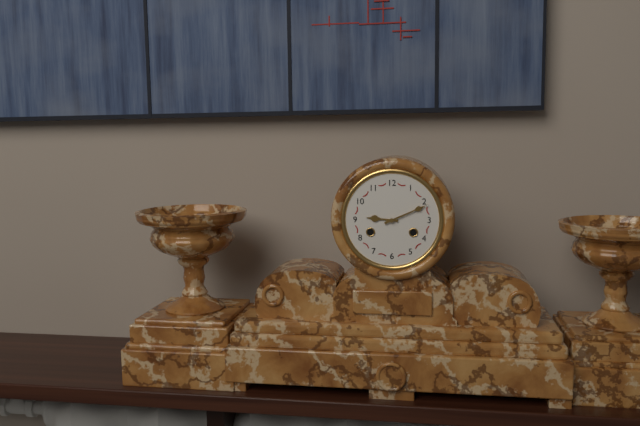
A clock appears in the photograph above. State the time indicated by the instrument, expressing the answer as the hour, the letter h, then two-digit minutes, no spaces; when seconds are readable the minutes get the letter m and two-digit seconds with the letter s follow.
9h11
